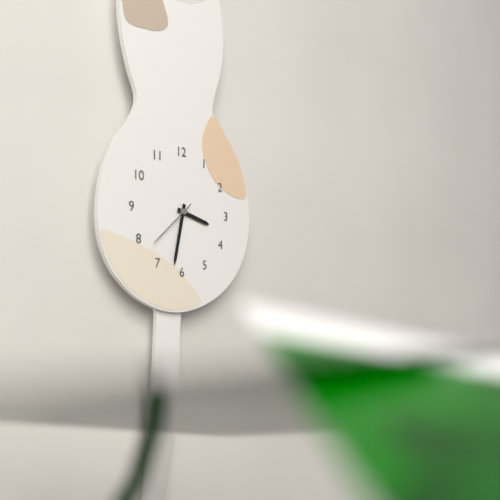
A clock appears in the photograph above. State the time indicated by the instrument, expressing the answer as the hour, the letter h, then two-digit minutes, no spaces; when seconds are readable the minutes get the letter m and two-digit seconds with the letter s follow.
3h32m38s
